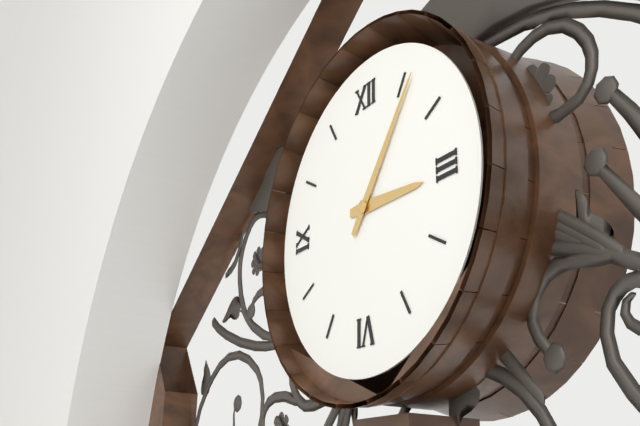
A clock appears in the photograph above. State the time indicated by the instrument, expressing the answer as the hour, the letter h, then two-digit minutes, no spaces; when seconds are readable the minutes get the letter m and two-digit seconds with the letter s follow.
3h06
